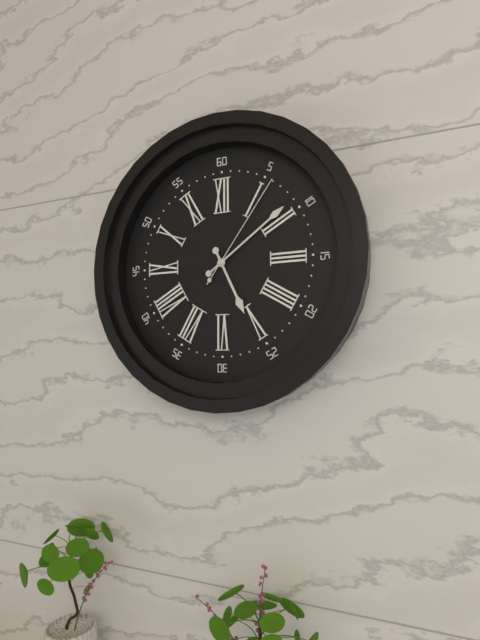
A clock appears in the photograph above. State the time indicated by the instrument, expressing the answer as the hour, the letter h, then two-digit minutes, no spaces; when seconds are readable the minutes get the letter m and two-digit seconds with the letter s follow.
5h09m06s
